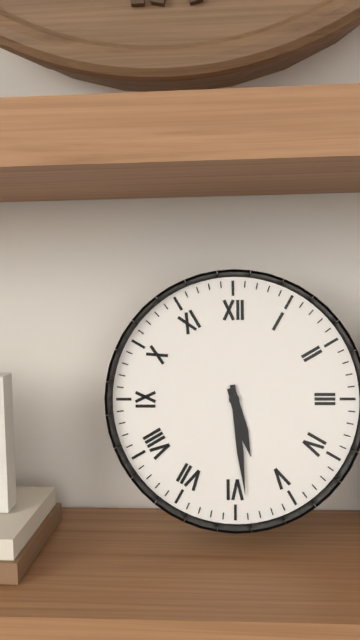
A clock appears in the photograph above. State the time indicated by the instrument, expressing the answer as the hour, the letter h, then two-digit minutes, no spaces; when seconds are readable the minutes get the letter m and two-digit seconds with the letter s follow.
5h29
